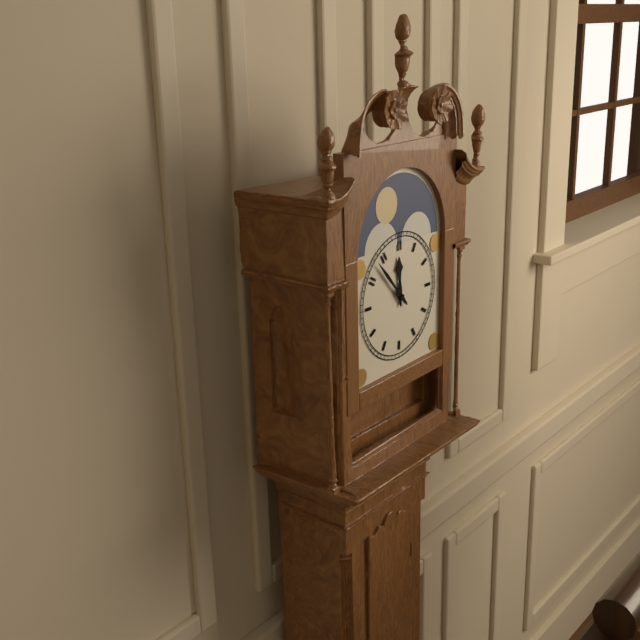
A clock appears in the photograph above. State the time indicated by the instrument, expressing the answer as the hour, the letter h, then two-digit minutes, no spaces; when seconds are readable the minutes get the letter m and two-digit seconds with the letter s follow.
11h53
